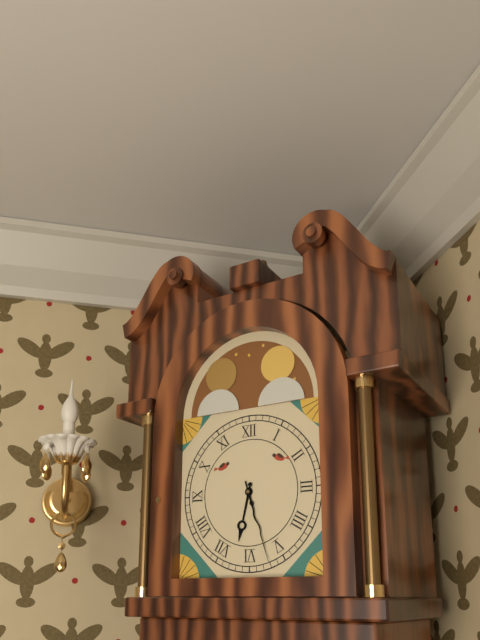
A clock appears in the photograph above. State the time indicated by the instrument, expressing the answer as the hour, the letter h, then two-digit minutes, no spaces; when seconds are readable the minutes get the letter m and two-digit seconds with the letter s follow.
6h27
